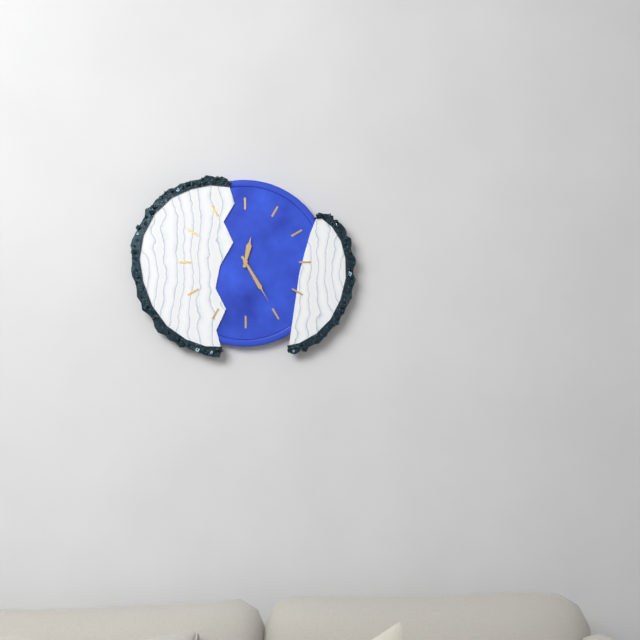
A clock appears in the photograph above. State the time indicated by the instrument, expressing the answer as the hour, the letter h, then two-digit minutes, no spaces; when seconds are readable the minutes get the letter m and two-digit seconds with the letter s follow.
12h25
